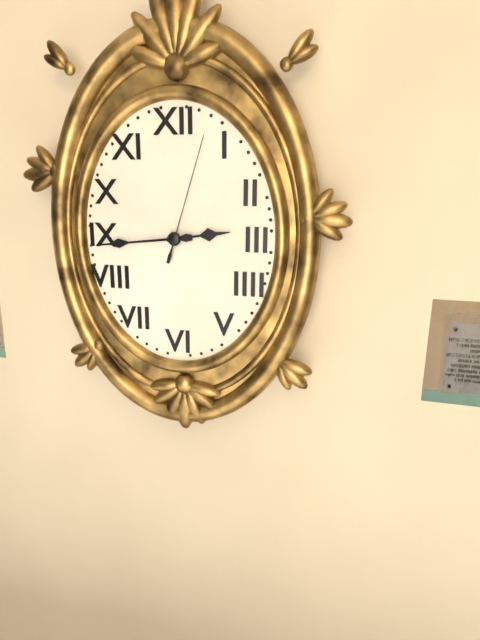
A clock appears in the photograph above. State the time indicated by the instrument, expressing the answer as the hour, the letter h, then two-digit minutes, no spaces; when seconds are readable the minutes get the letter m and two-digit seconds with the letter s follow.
2h44m03s
